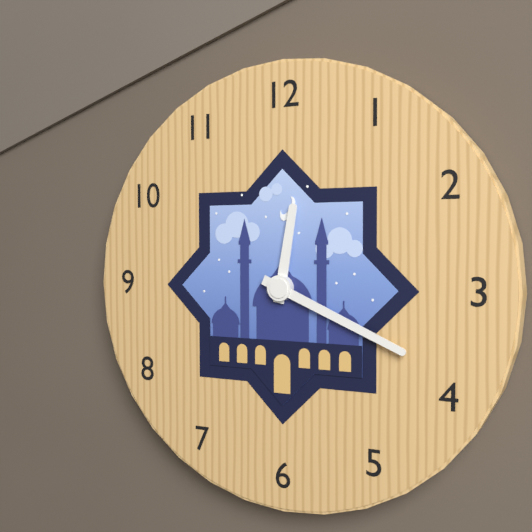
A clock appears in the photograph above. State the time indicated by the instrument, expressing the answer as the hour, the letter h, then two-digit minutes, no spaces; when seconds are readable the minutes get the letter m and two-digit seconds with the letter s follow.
12h19
